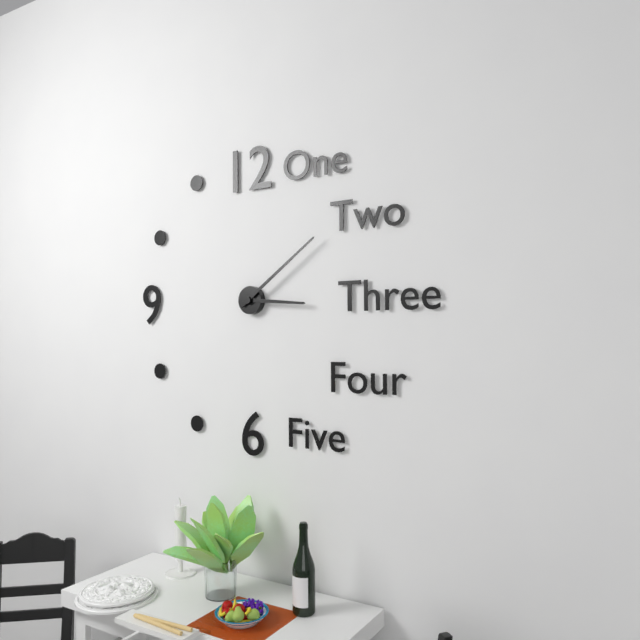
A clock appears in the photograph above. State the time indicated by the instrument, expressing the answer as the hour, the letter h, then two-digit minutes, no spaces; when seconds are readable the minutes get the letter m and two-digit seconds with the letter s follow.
3h09
